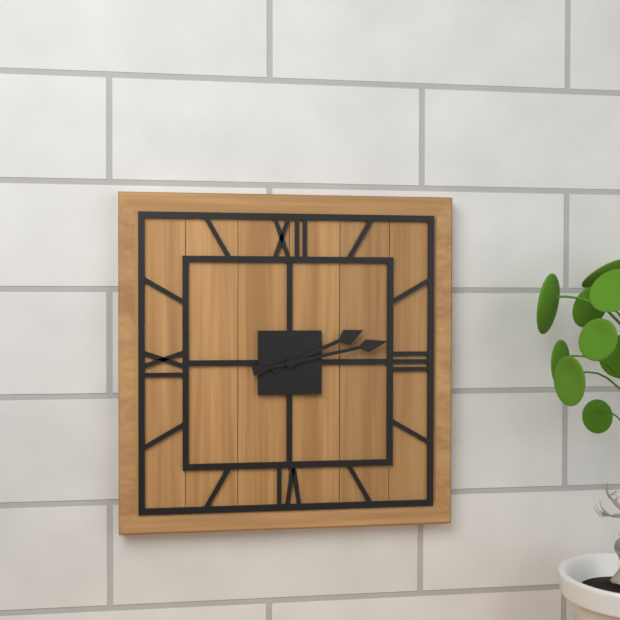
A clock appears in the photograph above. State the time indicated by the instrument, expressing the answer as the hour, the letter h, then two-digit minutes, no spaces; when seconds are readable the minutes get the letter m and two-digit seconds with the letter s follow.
2h13
